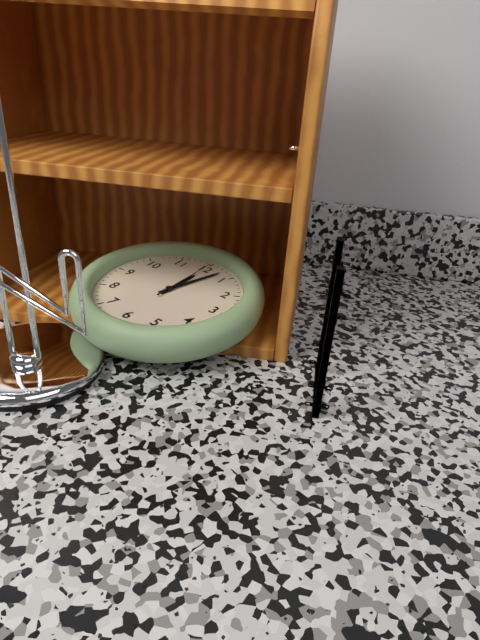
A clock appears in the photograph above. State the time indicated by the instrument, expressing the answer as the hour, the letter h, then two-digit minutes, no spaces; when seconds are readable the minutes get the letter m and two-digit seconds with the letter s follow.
12h03m00s
